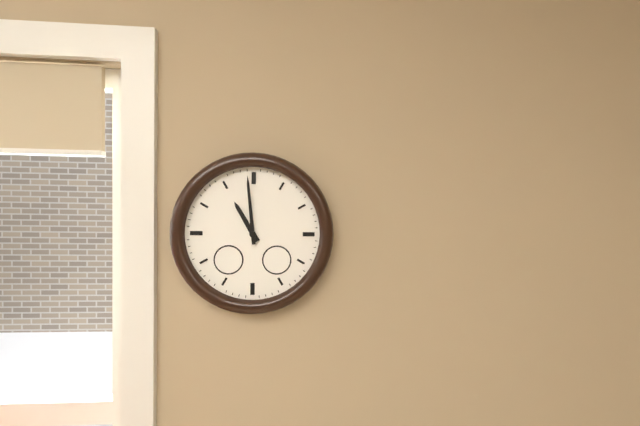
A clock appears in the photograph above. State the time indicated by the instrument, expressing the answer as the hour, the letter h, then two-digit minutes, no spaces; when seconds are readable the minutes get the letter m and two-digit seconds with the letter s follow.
10h59
